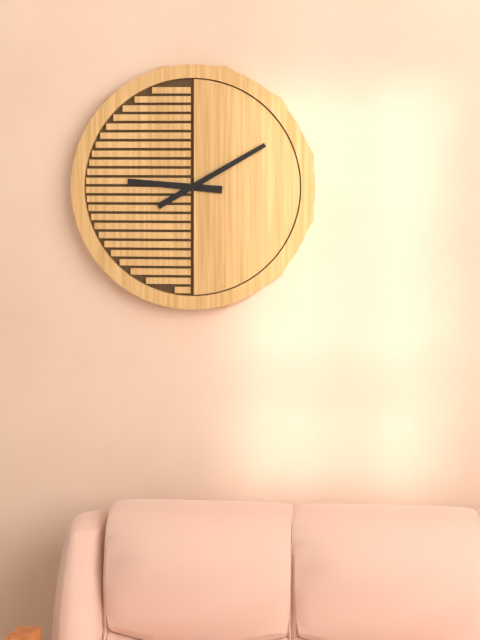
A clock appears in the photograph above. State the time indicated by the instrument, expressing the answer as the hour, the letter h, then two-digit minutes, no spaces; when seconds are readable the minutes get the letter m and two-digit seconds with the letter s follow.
9h10
